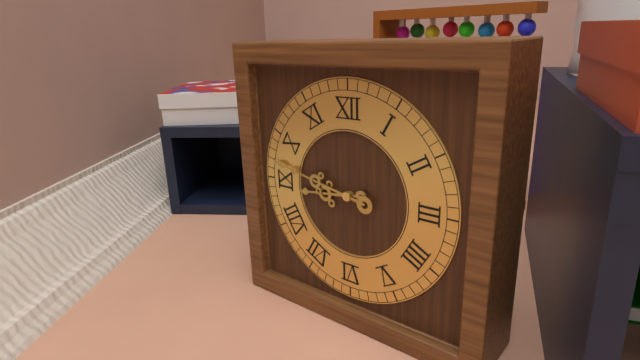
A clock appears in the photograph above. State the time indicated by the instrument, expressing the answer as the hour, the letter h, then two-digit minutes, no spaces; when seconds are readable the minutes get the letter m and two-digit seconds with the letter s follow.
8h47
